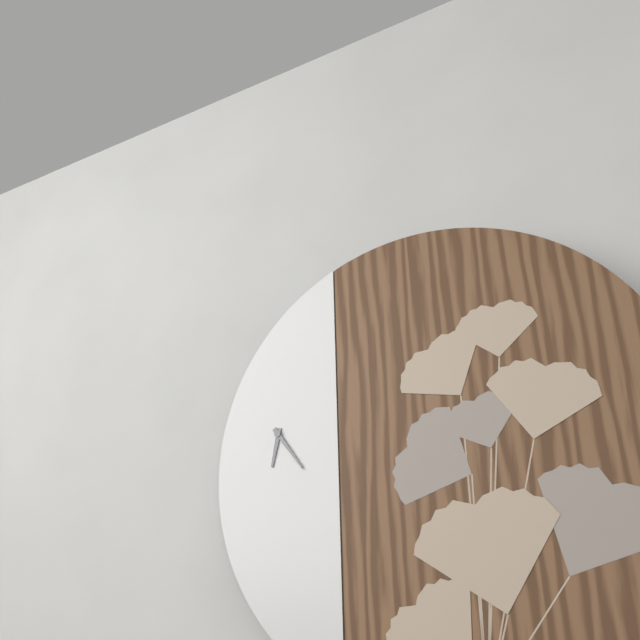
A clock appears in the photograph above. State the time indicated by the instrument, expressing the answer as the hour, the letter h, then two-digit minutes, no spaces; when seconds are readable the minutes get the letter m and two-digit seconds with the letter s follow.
6h24
